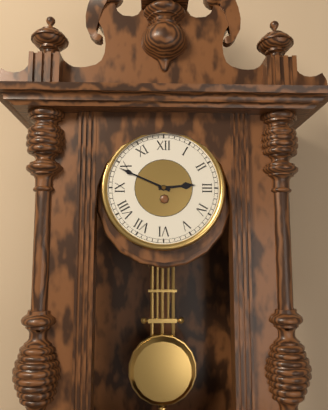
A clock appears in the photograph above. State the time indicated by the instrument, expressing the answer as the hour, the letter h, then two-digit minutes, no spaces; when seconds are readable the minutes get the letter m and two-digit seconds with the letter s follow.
2h49
